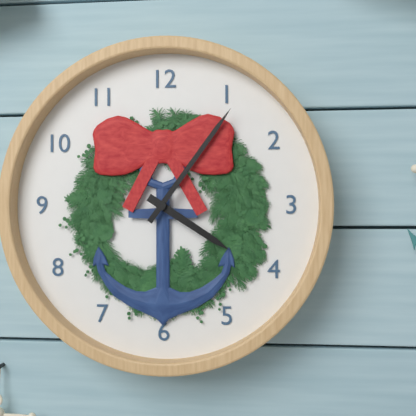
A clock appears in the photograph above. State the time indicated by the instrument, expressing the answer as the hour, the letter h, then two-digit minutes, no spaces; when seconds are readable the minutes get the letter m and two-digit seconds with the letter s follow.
4h06
